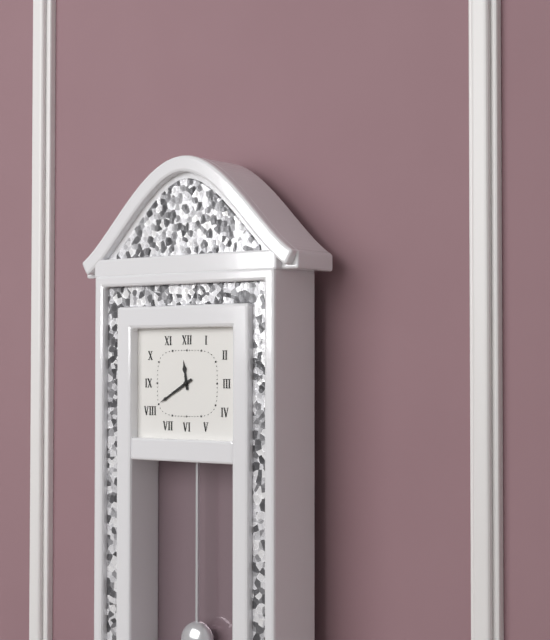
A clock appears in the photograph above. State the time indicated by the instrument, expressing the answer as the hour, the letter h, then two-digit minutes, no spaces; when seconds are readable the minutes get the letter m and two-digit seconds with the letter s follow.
11h40
